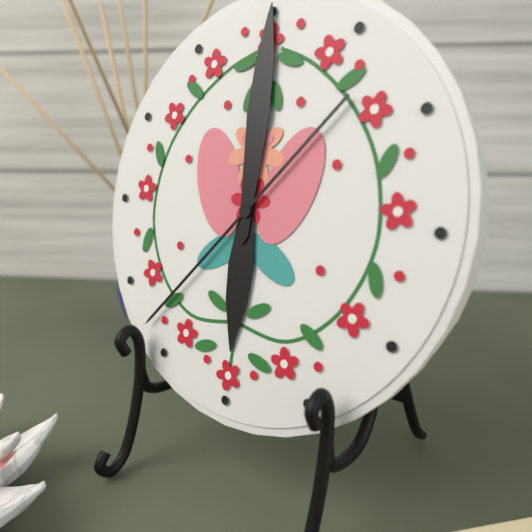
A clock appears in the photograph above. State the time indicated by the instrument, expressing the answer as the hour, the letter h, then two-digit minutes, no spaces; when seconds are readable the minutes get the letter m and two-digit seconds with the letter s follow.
6h00m37s
